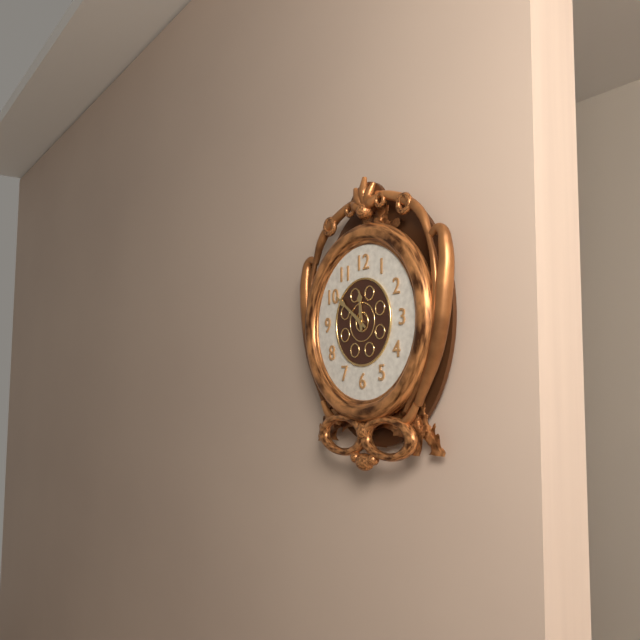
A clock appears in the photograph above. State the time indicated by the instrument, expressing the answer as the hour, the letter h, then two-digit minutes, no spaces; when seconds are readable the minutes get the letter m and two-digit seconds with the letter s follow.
11h51
